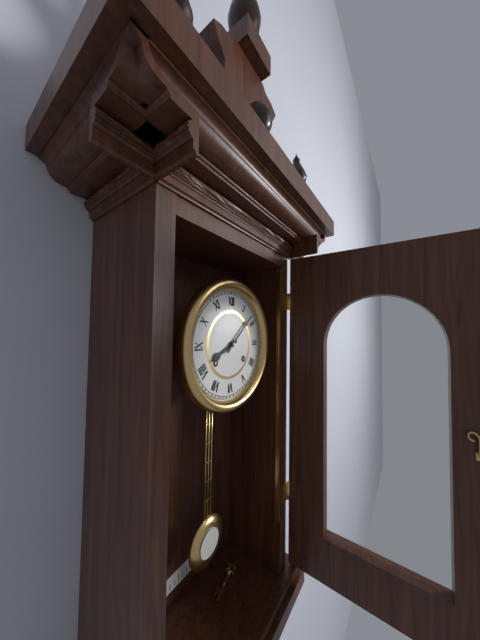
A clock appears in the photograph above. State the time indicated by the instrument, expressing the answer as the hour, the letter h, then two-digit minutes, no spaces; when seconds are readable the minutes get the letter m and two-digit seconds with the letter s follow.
8h08
